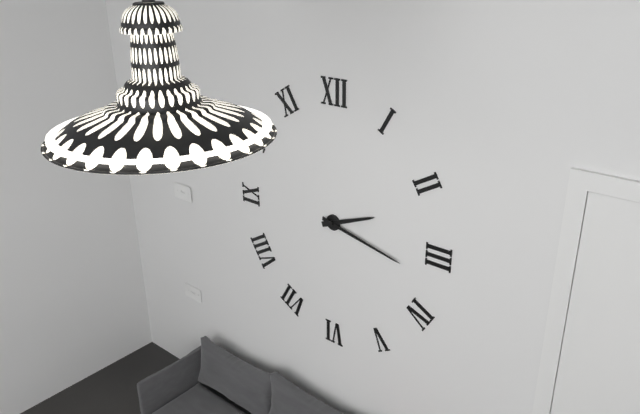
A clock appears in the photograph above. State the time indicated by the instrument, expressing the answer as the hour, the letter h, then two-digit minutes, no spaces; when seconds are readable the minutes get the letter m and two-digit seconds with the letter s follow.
2h17
